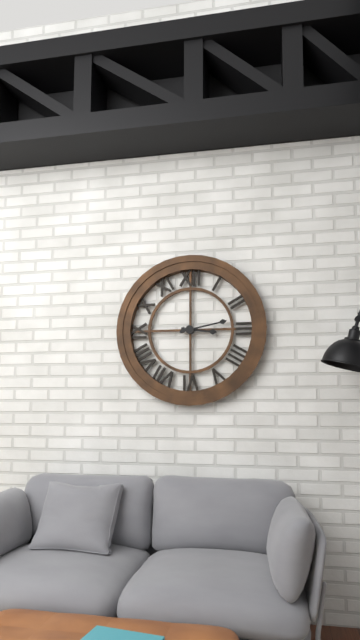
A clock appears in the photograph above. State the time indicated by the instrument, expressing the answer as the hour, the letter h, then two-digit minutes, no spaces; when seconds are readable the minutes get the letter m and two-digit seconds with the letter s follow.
3h13
